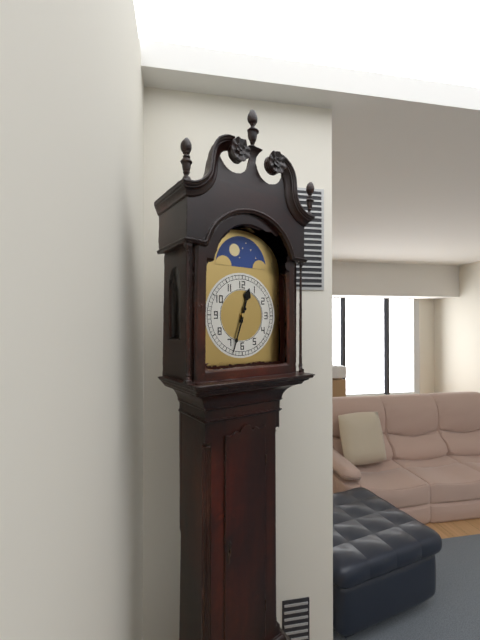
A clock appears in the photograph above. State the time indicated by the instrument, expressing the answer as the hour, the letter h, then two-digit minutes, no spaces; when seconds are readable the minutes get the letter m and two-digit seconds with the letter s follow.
12h33
